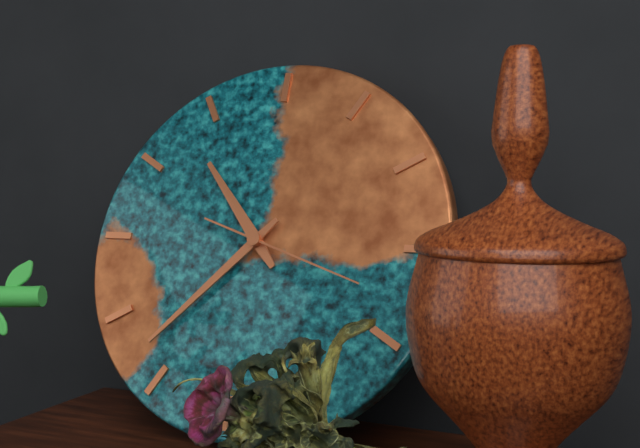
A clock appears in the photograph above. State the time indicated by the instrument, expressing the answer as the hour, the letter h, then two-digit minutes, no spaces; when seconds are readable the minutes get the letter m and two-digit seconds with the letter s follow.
10h37m18s
